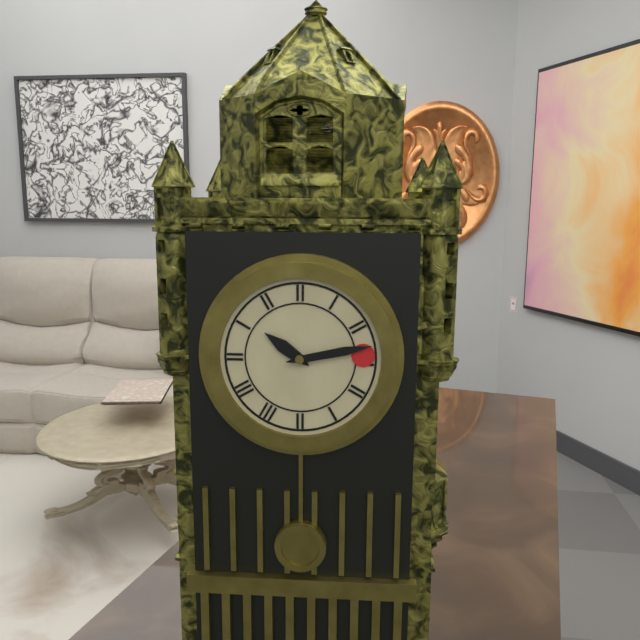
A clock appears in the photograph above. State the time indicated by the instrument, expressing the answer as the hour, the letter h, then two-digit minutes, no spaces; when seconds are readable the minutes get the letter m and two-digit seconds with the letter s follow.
10h13
